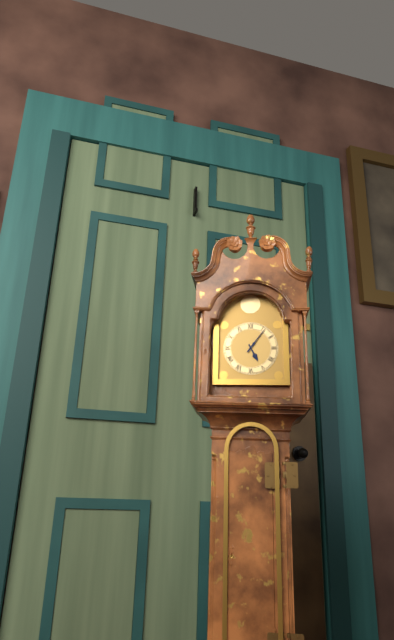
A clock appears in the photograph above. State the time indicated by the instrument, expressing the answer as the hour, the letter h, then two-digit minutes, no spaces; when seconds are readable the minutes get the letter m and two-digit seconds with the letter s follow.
5h06
